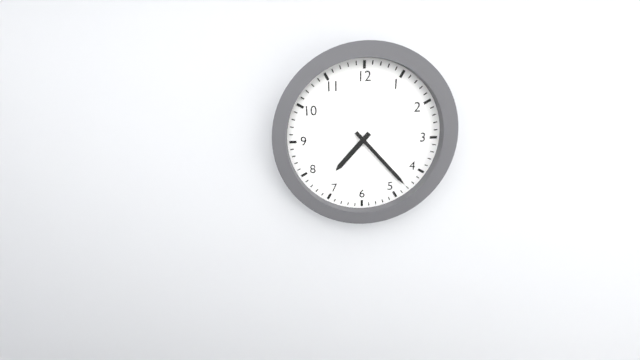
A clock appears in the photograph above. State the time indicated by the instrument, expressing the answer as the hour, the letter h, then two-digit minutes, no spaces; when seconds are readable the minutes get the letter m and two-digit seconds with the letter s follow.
7h23
